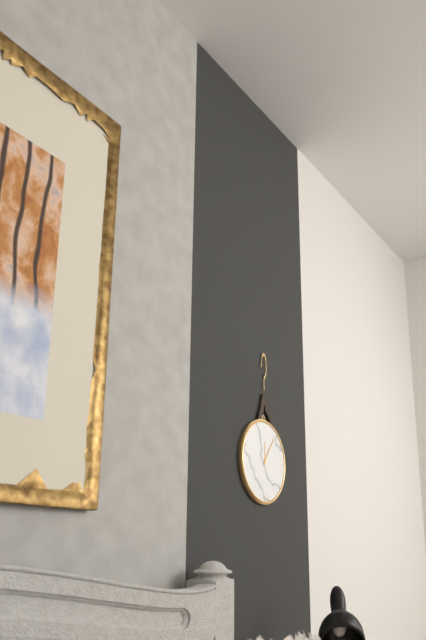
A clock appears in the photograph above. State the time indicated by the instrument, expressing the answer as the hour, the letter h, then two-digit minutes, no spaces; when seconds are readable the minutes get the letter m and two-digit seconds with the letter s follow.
12h06
